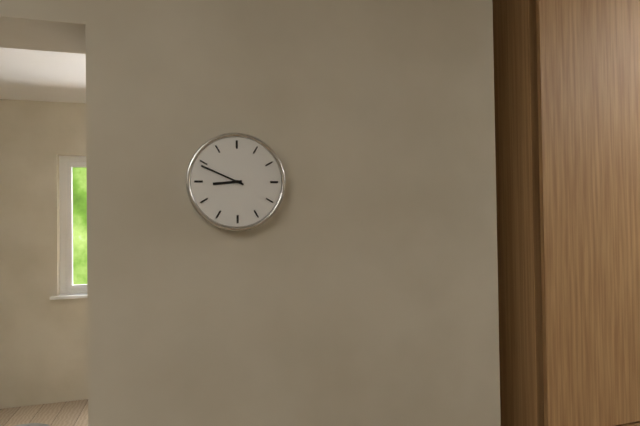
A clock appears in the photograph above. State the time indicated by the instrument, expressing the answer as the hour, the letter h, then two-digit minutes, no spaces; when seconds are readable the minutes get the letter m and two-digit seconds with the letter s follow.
8h49
